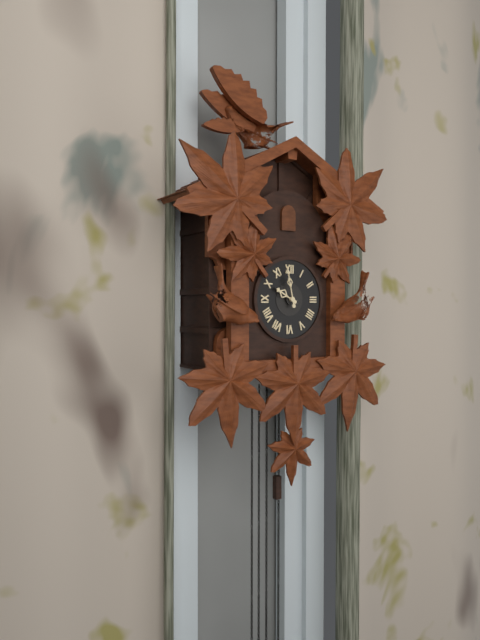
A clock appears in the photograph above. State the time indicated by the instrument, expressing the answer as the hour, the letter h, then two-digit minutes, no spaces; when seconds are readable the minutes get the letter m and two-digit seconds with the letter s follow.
9h58
